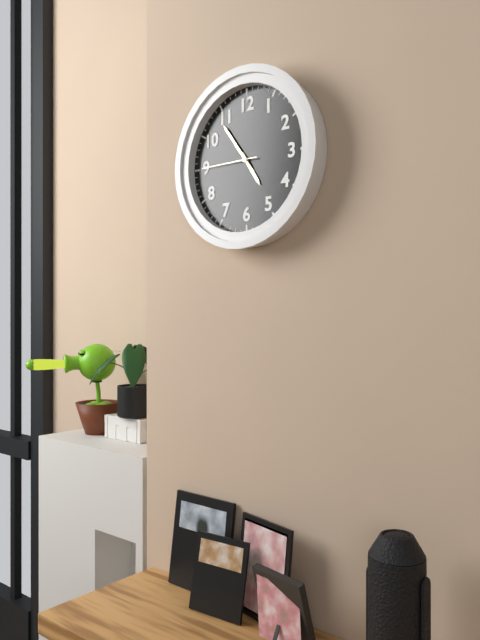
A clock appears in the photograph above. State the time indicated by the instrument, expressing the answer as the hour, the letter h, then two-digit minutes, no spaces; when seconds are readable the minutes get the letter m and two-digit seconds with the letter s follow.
4h54m45s
